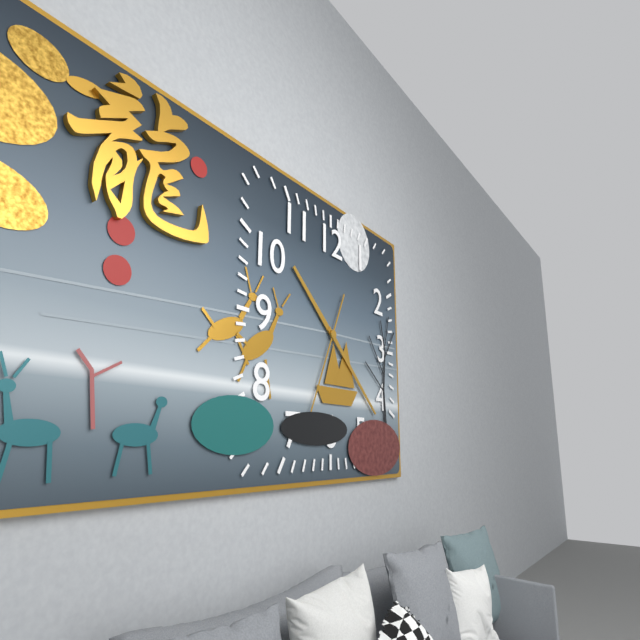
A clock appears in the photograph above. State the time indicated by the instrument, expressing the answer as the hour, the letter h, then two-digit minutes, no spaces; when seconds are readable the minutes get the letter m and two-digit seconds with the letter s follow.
10h22m34s
